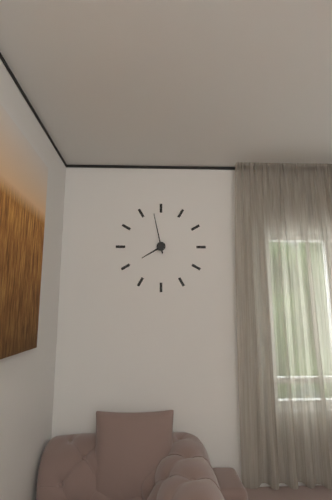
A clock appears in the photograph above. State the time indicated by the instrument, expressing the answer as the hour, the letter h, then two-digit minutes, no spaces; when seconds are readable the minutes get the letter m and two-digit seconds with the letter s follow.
7h58
